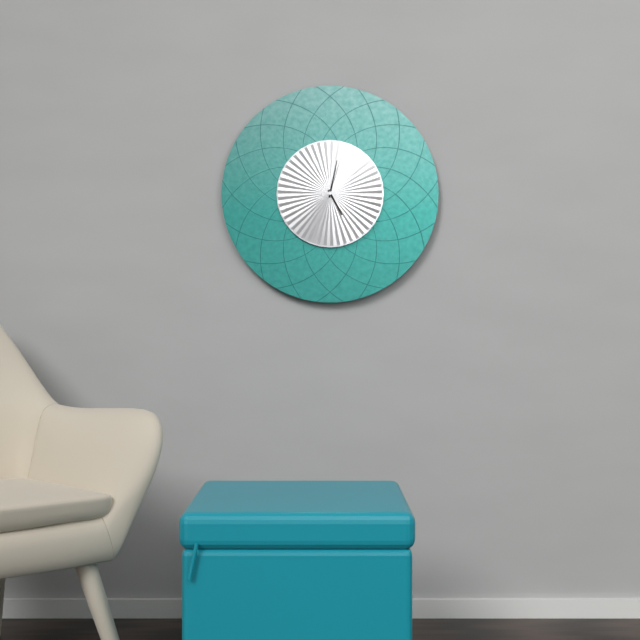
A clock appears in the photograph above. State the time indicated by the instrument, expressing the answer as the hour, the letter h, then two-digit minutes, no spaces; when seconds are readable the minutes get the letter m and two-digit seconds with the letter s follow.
5h02
